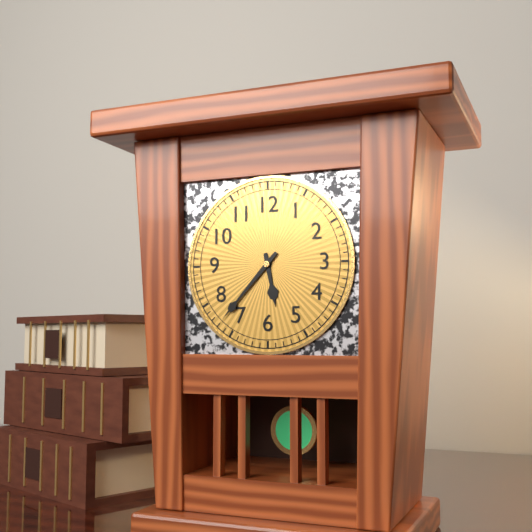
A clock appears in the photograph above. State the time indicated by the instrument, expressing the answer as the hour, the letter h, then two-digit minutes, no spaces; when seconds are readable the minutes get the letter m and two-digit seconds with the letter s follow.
5h37
